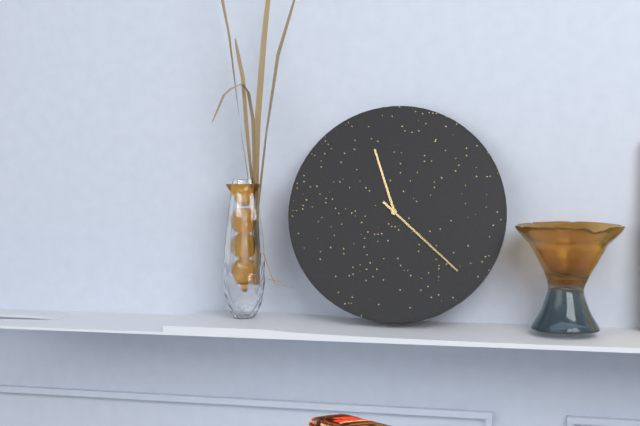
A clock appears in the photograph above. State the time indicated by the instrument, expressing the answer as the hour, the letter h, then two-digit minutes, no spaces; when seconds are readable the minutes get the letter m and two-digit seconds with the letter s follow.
11h22
